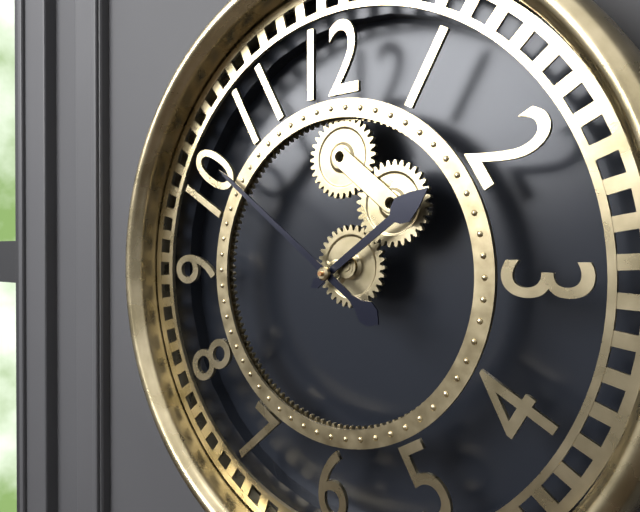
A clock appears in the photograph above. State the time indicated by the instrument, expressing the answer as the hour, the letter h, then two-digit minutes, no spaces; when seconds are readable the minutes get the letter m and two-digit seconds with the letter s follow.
1h51
